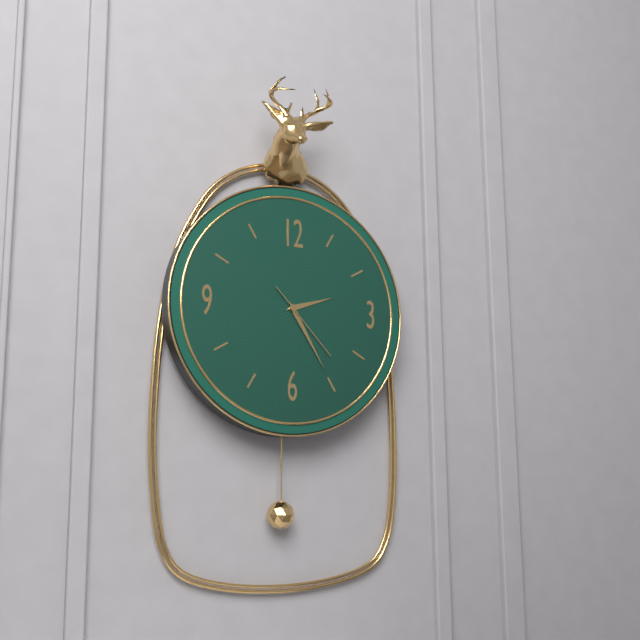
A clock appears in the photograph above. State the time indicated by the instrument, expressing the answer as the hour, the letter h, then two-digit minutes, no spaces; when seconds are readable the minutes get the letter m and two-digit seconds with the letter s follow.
2h25m23s
